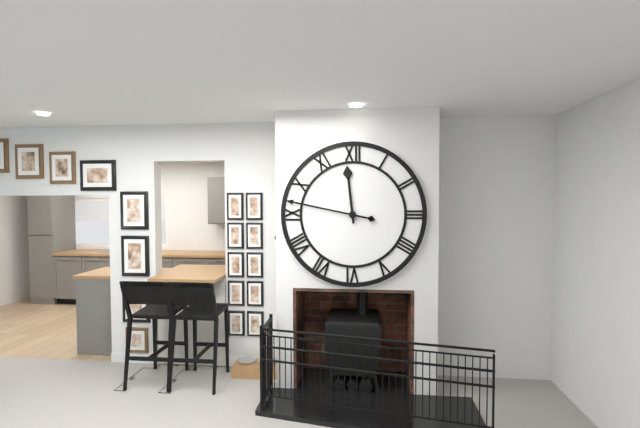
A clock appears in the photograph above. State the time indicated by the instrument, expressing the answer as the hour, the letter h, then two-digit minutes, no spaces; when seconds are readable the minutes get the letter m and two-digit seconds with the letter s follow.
11h47
